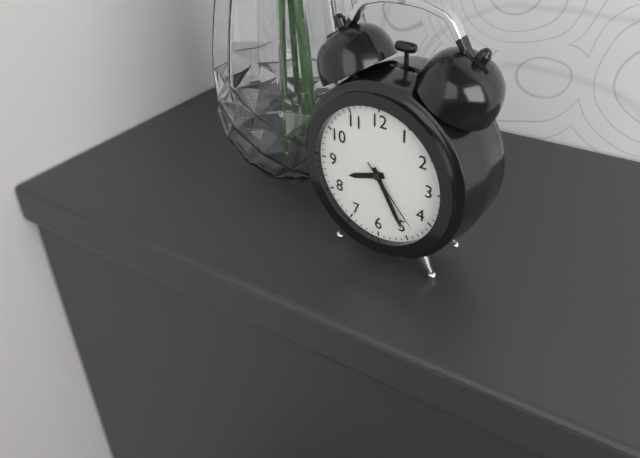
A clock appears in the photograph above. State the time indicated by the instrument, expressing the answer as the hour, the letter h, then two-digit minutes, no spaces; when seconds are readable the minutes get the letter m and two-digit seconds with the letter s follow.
8h25m23s
